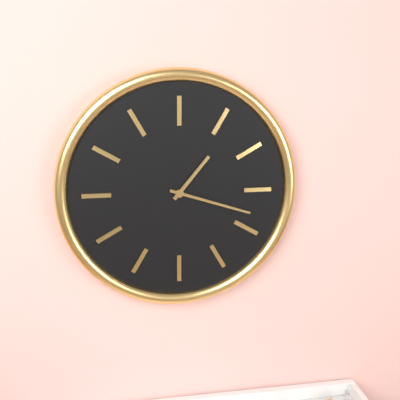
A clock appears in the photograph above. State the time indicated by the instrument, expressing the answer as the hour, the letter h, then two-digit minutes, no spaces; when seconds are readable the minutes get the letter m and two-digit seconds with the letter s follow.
1h18
